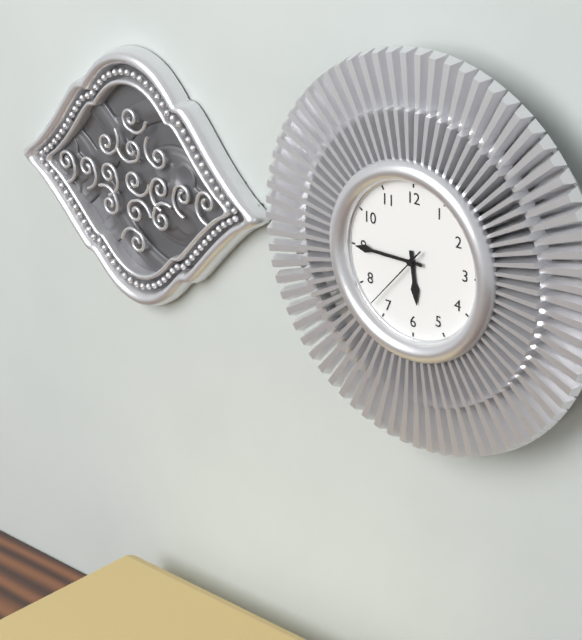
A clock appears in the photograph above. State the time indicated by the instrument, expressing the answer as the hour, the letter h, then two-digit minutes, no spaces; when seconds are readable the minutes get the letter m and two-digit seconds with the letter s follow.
5h45m37s
